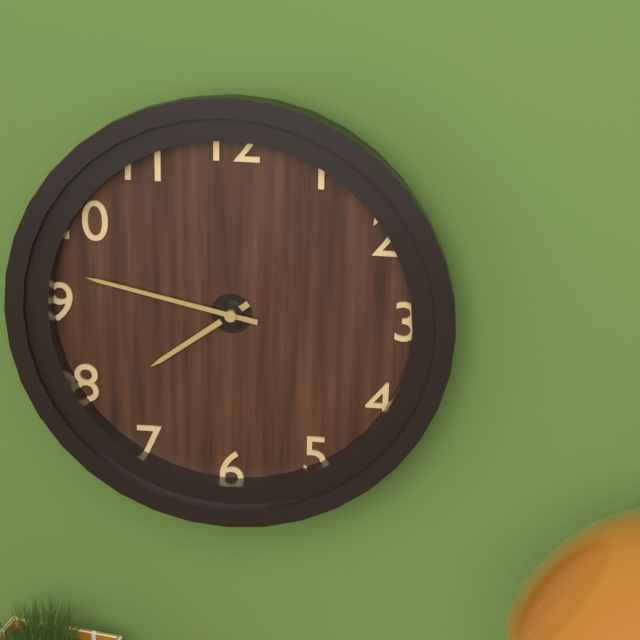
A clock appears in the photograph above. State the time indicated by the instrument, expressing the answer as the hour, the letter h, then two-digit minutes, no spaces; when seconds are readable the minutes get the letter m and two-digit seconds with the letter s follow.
7h47
